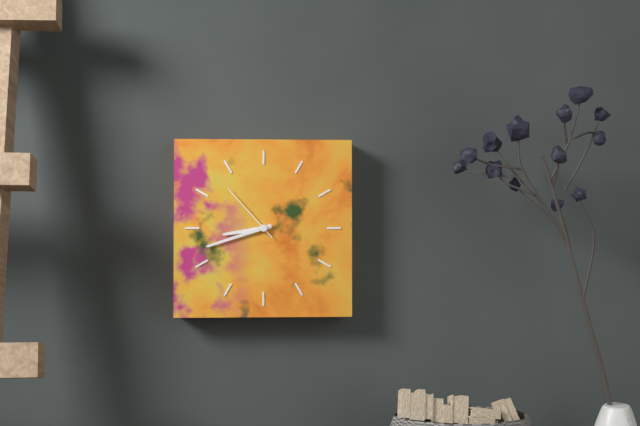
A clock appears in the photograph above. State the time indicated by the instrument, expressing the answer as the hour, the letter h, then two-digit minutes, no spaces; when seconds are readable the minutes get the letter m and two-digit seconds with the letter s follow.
8h42m53s
